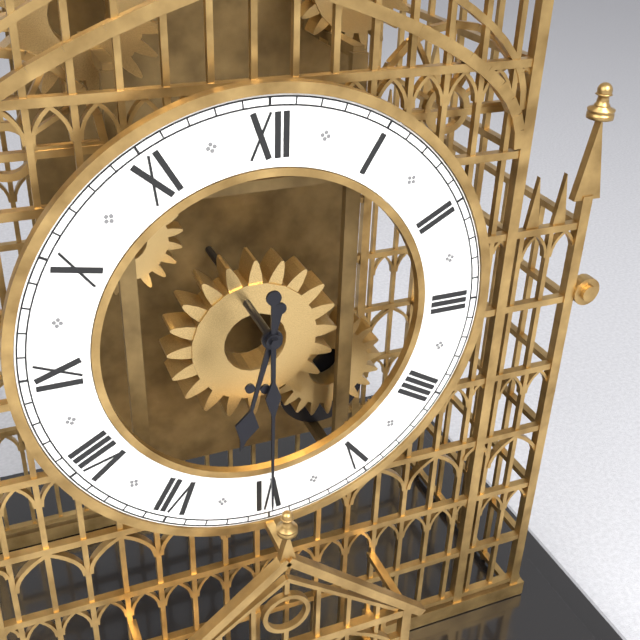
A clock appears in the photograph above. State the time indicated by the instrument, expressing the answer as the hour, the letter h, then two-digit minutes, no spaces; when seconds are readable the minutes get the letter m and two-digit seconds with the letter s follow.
6h30
